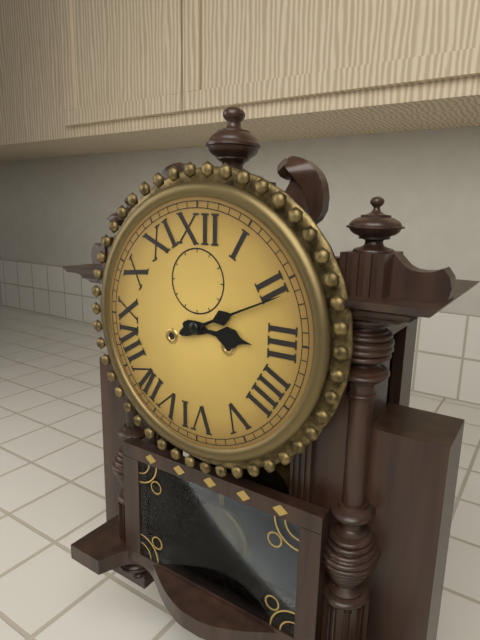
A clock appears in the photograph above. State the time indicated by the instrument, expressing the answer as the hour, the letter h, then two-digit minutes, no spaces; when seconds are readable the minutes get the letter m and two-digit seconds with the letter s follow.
3h11
